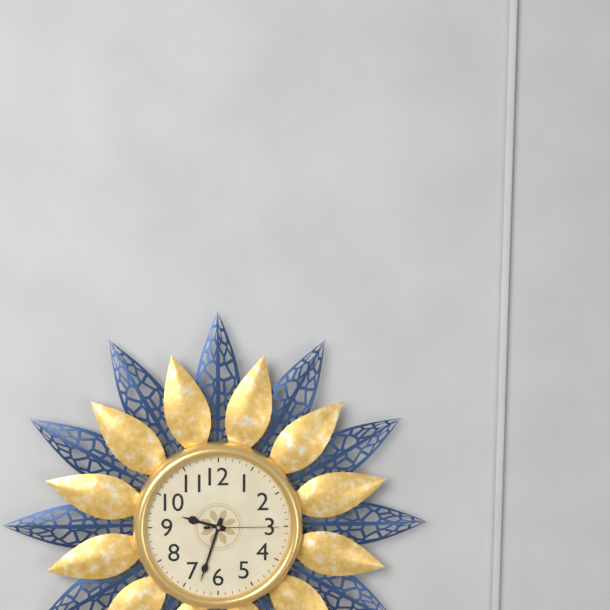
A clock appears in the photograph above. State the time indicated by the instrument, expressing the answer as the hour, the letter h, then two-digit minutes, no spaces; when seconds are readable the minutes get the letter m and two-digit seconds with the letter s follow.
9h33m15s
